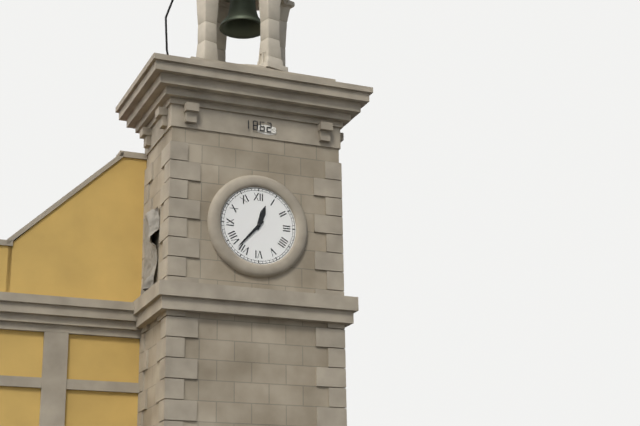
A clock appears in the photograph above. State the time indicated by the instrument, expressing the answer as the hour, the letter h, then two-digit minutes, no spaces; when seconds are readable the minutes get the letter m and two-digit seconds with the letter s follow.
12h37
